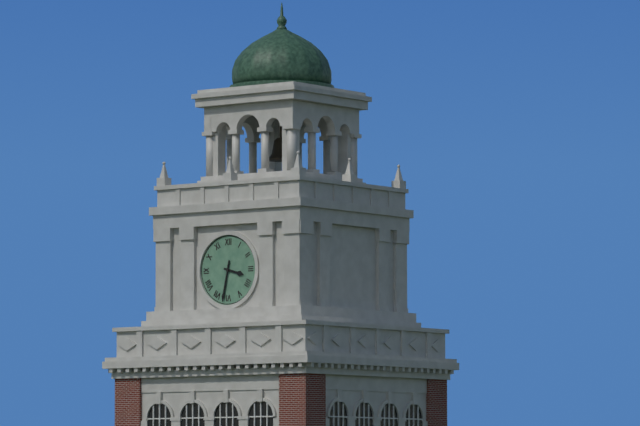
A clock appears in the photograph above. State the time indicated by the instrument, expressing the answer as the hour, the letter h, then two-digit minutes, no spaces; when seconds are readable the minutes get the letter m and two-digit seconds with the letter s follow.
3h32
